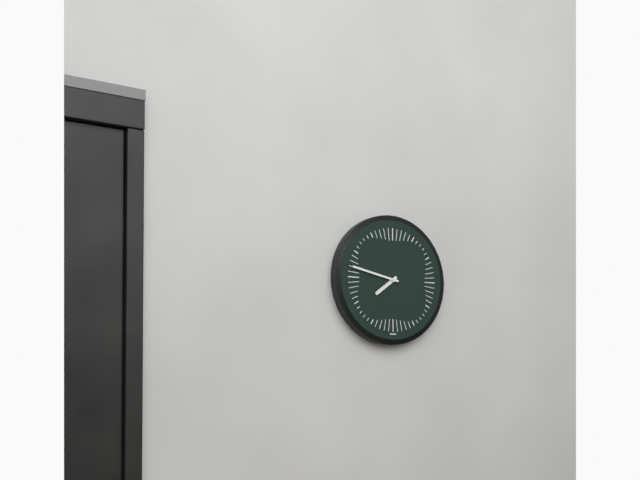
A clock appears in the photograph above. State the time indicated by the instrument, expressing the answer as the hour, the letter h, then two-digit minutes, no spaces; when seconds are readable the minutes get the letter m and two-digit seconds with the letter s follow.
7h47
